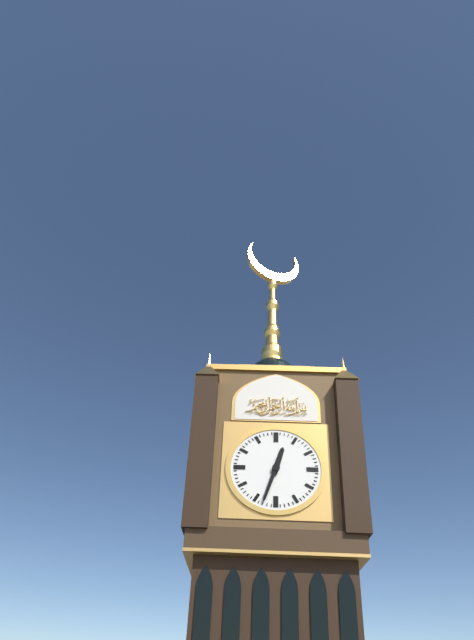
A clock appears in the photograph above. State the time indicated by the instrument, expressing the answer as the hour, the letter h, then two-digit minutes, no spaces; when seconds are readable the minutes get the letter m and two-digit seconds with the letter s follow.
12h33
